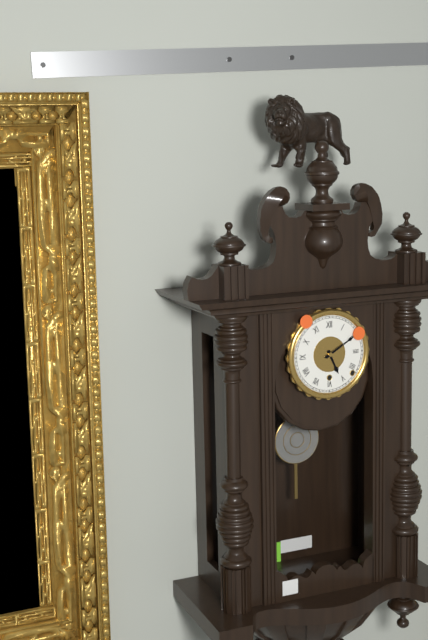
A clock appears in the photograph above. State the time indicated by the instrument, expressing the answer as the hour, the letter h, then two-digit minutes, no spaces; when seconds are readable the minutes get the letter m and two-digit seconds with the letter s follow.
5h10
